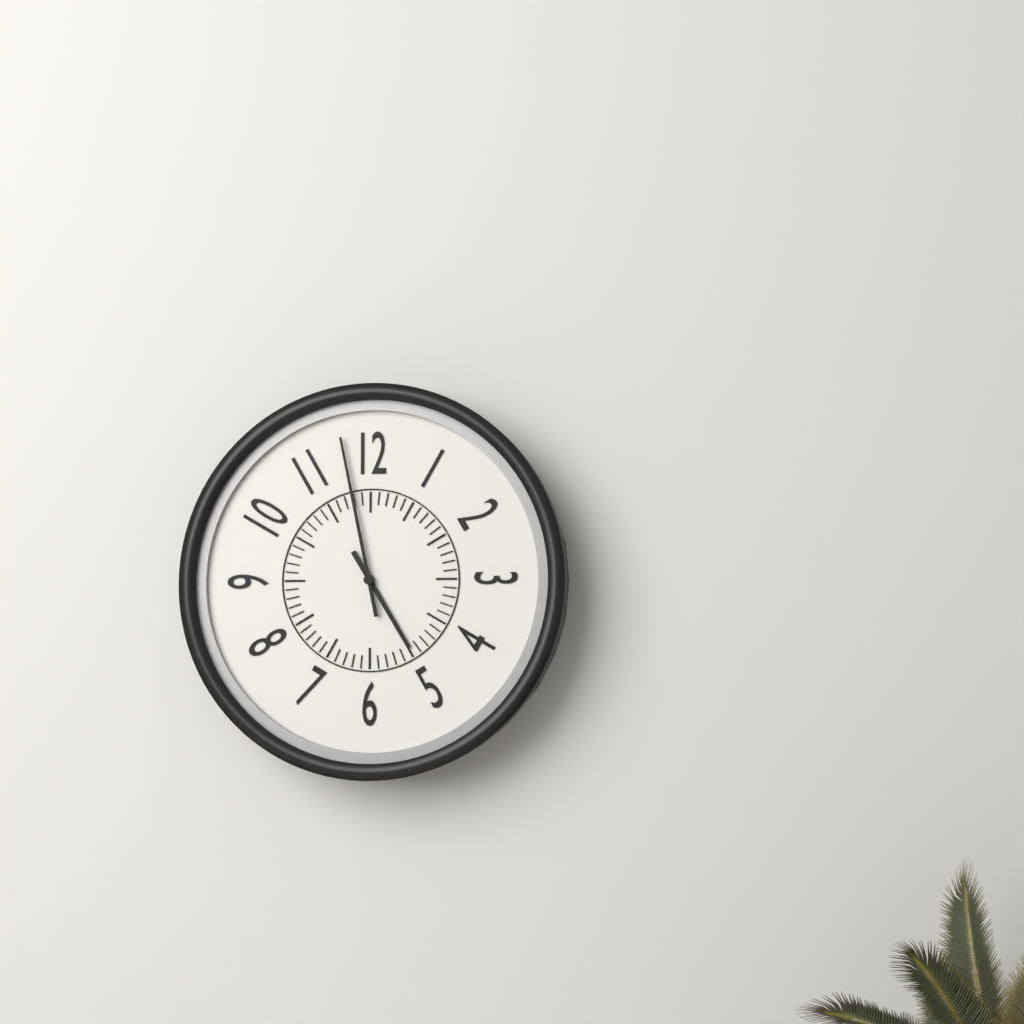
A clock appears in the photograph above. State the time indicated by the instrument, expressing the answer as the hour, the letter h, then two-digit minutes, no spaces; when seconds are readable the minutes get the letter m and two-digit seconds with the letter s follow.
4h58
